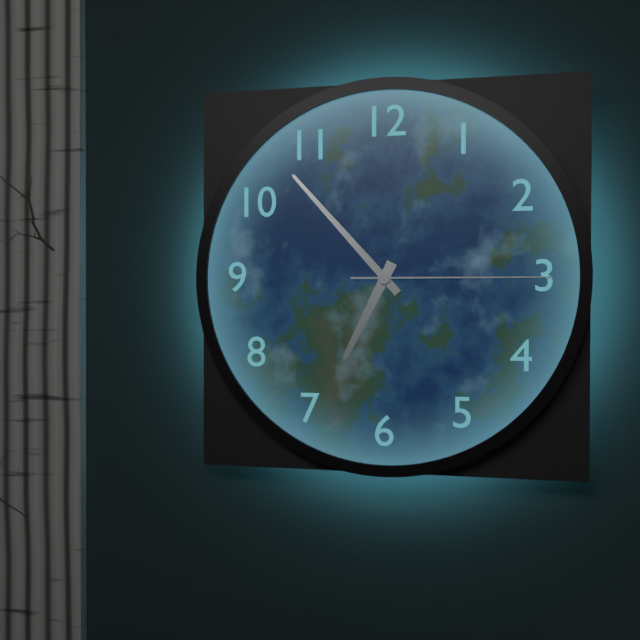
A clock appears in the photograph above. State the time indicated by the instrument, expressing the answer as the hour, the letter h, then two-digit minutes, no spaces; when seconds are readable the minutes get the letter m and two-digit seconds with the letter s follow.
6h53m15s
